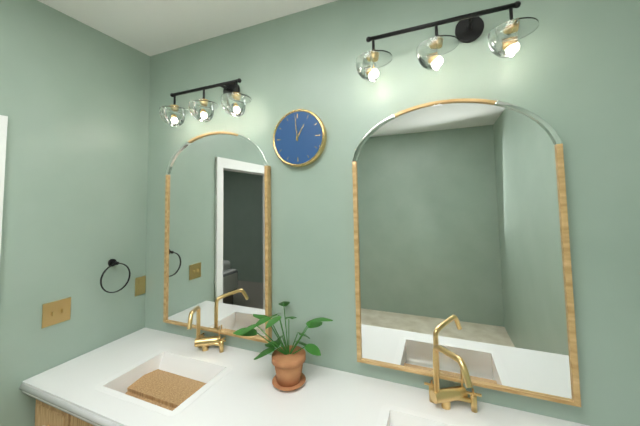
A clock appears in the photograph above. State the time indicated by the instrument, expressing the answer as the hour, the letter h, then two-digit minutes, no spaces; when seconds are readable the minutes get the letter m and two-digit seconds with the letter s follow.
12h59
